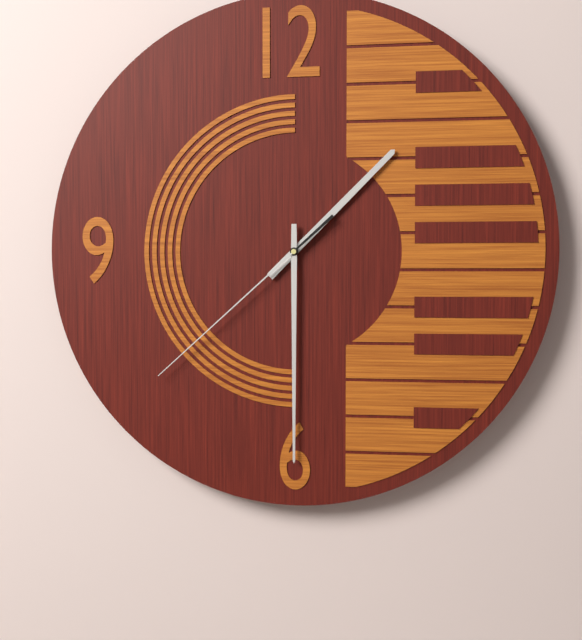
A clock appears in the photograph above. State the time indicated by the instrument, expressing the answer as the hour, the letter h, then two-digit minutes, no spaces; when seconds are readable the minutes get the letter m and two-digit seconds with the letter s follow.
1h30m38s
